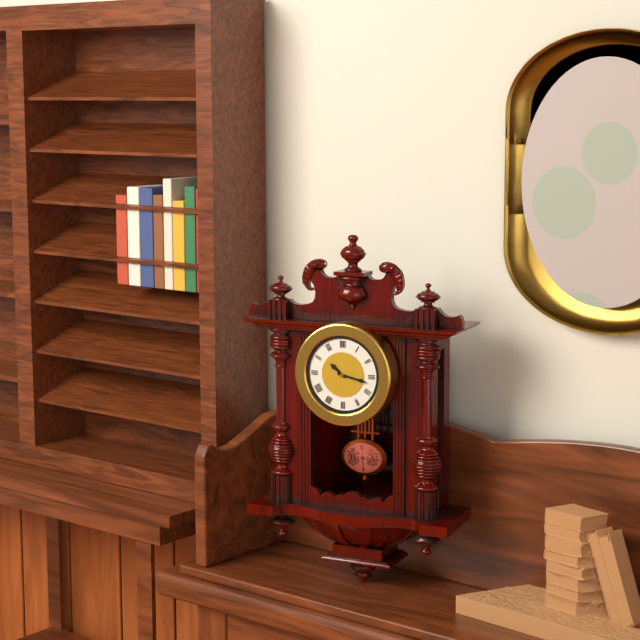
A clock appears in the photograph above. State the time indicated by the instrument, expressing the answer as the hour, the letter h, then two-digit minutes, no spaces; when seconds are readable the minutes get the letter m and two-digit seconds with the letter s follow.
10h17
